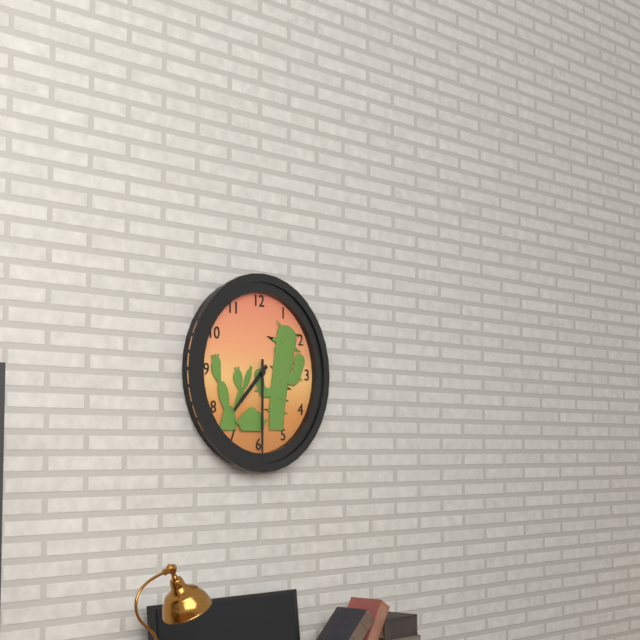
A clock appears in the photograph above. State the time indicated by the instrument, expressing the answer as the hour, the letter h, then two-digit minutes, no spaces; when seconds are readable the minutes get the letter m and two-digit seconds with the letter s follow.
7h30
